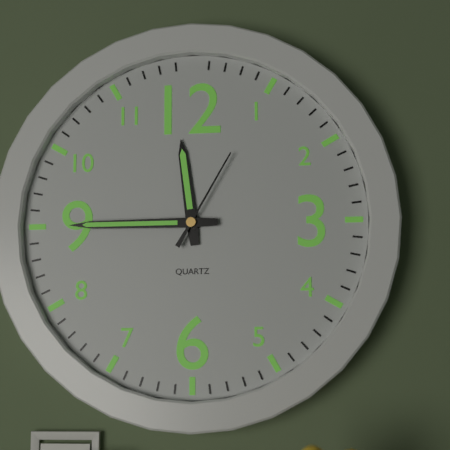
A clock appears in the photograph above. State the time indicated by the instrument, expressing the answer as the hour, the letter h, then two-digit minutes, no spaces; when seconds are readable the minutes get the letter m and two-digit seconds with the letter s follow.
11h45m05s
